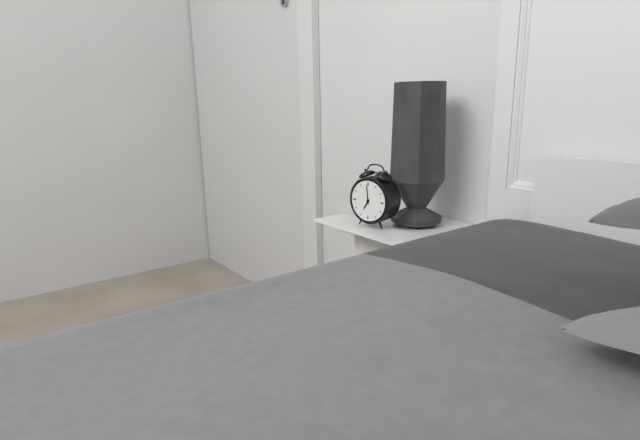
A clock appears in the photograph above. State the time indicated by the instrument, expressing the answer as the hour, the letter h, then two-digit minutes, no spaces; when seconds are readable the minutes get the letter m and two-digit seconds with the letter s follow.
6h59
